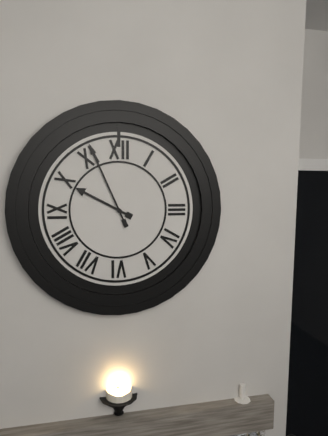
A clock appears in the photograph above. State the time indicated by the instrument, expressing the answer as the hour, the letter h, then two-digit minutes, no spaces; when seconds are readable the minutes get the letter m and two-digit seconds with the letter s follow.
9h56
